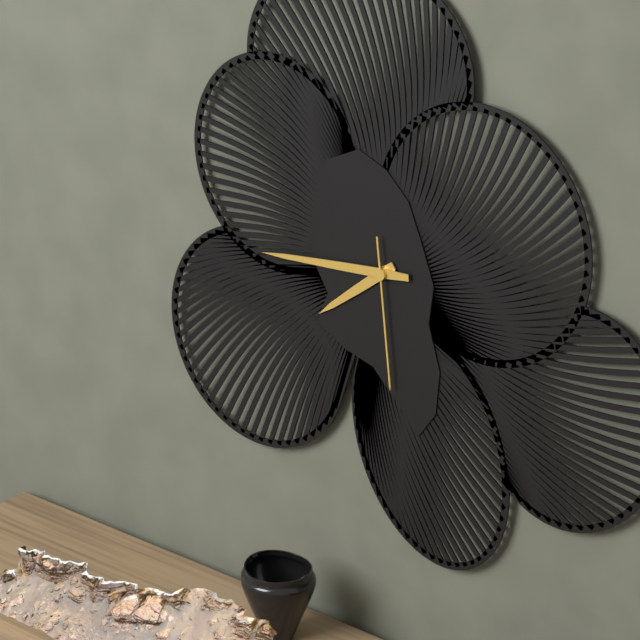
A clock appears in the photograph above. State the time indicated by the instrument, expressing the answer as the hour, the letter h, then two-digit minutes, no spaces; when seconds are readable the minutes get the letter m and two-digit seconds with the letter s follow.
7h44m29s
